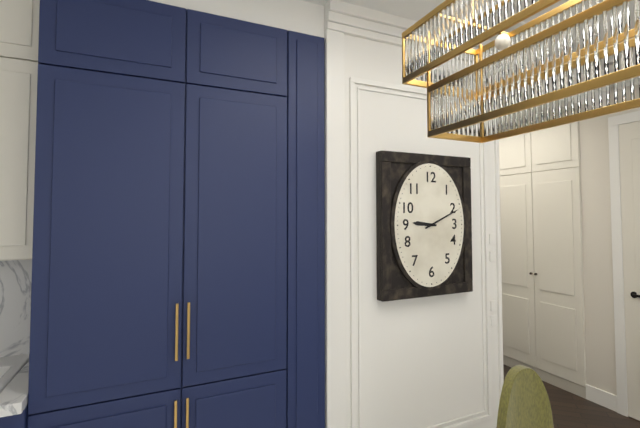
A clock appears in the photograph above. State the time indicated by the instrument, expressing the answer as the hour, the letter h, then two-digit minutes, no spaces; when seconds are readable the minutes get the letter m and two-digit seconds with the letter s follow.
9h11
